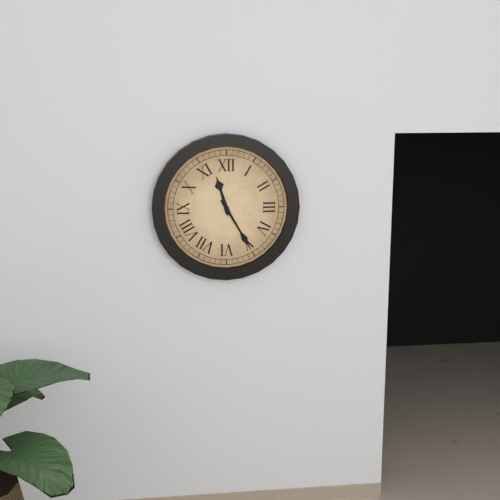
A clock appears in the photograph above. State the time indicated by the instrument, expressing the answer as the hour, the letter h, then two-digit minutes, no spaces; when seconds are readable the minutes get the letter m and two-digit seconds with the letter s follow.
11h25
